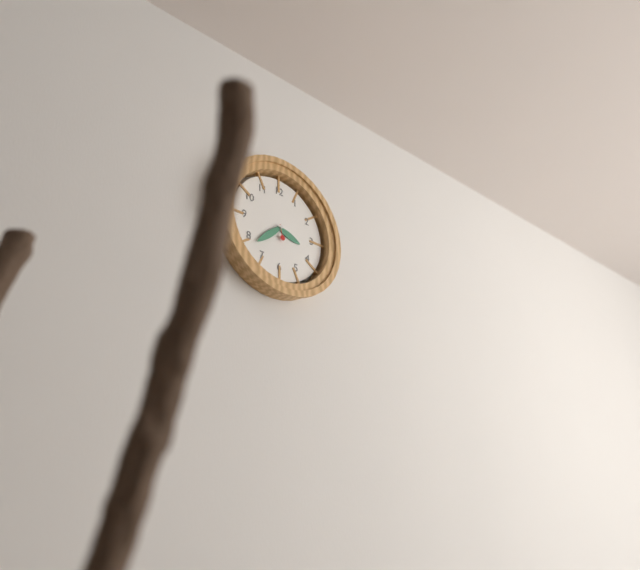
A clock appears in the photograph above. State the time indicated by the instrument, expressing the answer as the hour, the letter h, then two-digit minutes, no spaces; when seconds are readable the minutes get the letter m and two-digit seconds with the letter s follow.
3h38
